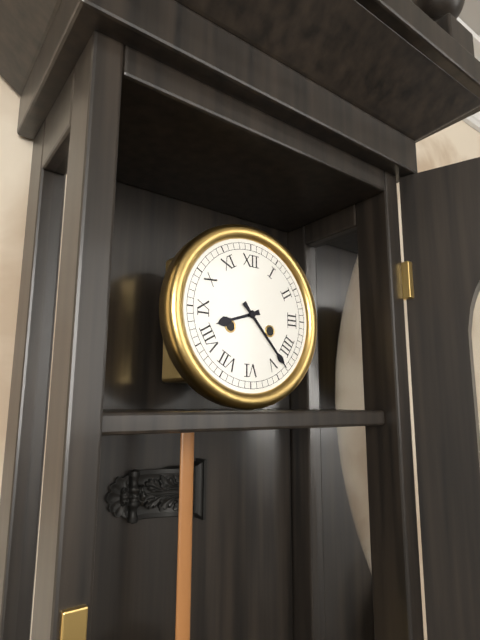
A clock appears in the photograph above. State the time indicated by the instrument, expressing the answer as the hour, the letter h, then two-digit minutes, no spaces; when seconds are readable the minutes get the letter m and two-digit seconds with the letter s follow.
8h23
